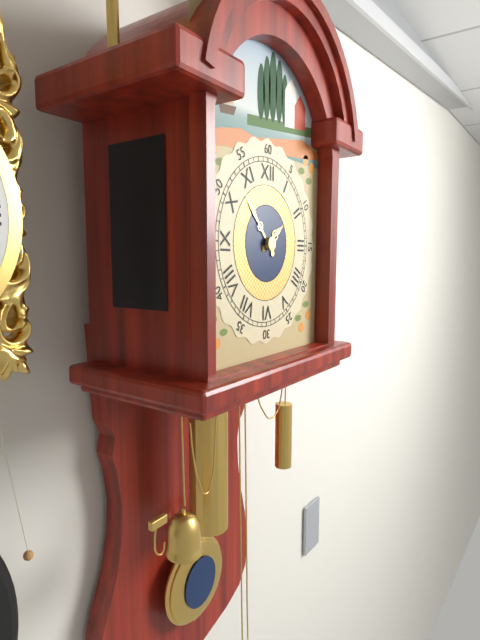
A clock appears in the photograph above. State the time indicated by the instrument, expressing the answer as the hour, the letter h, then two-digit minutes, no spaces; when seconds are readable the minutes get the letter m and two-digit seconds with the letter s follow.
1h53
